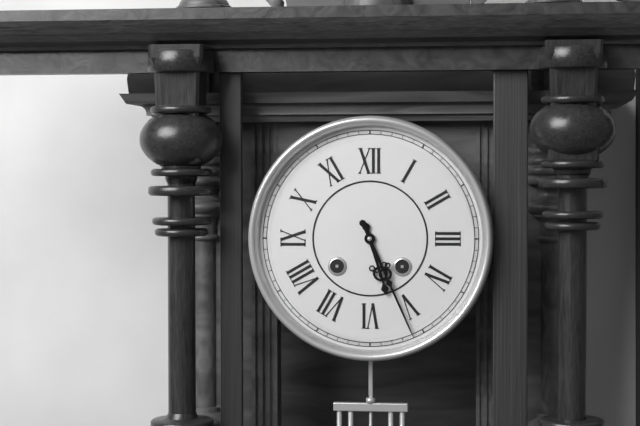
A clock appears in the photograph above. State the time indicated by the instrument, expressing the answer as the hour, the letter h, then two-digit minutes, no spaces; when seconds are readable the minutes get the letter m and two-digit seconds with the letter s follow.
5h26
